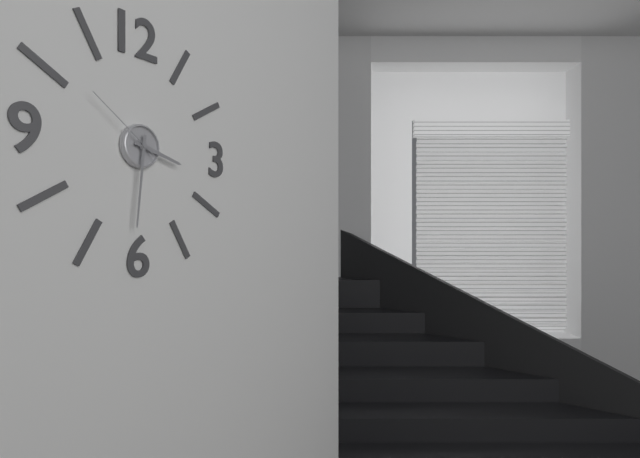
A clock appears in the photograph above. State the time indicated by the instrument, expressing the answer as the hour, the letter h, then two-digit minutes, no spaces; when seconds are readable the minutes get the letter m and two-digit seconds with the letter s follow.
3h31m51s
